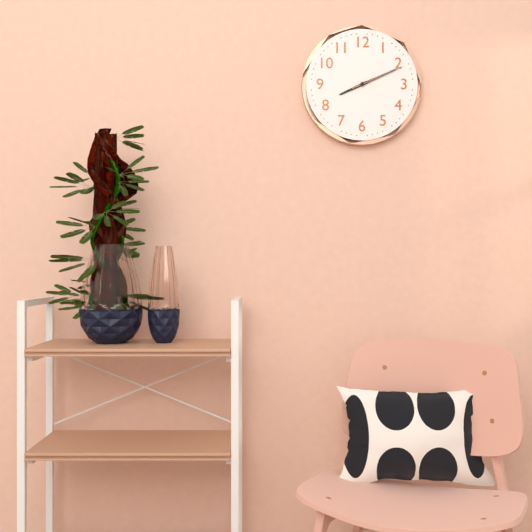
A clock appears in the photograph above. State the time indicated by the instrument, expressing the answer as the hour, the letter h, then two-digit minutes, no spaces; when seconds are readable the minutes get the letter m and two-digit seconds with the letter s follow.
8h11m11s
